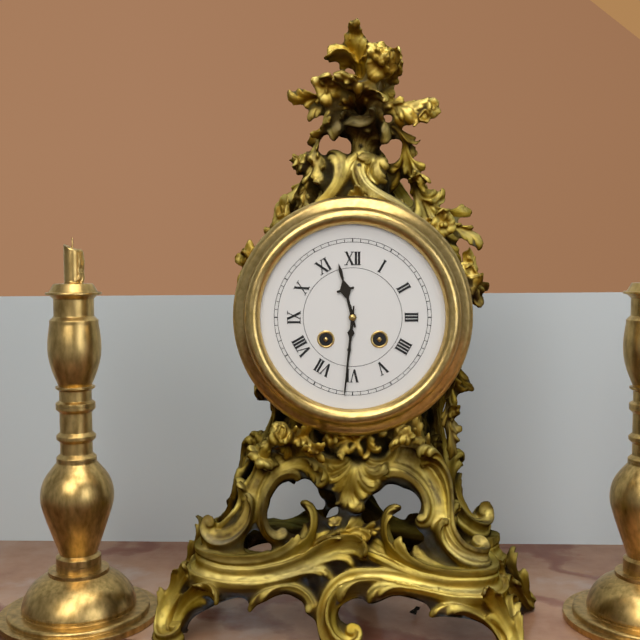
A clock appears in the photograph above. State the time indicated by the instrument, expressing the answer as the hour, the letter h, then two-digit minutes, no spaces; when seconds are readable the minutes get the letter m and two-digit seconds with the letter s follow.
11h31
